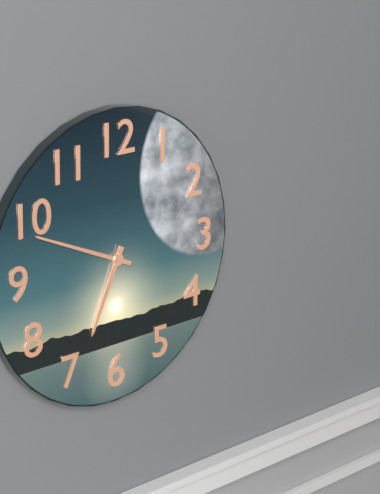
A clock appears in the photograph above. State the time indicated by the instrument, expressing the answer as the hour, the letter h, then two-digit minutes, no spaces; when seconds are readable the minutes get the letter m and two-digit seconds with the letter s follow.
6h49
